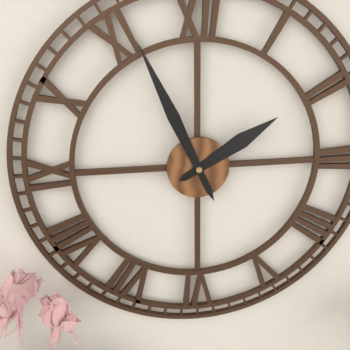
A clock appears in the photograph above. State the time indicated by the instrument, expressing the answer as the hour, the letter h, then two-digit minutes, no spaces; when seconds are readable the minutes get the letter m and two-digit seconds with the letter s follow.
1h56
